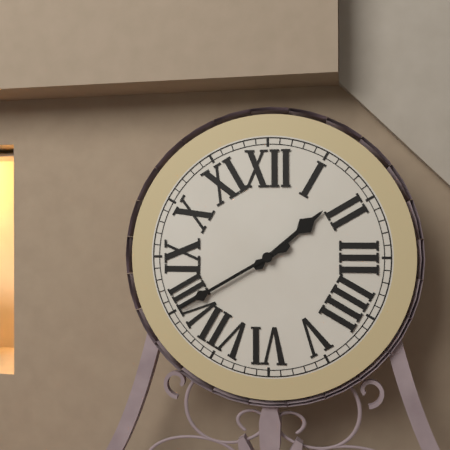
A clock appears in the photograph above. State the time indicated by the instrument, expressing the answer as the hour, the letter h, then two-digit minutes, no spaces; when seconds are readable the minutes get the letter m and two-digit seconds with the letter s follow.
1h40
